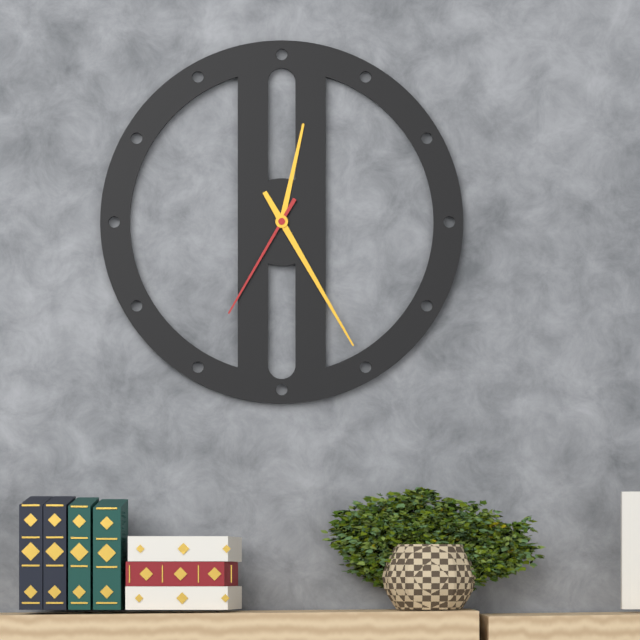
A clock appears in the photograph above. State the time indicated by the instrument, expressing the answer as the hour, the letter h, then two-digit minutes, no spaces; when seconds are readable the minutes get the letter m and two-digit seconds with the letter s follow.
12h25m35s
